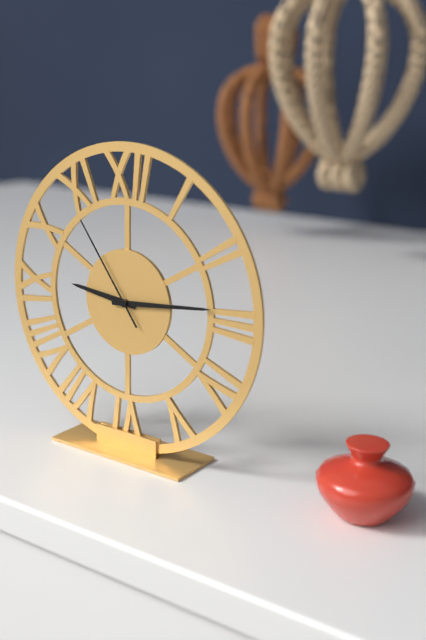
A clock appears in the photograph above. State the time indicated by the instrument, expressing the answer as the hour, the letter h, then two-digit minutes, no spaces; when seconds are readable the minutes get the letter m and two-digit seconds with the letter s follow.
9h14m54s
